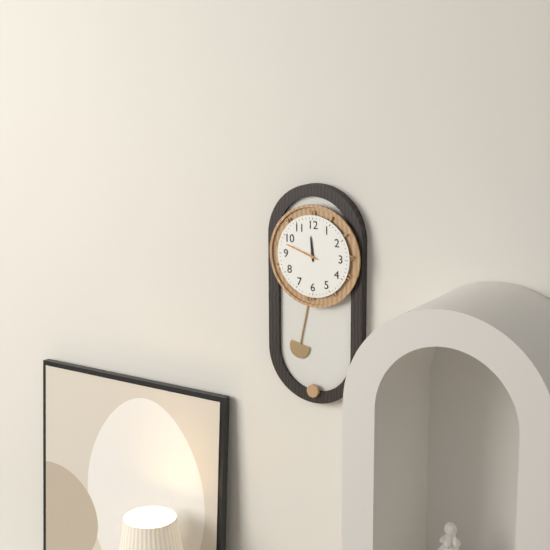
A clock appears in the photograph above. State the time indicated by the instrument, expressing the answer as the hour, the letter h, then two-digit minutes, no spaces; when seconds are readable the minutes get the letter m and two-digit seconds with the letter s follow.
11h48
